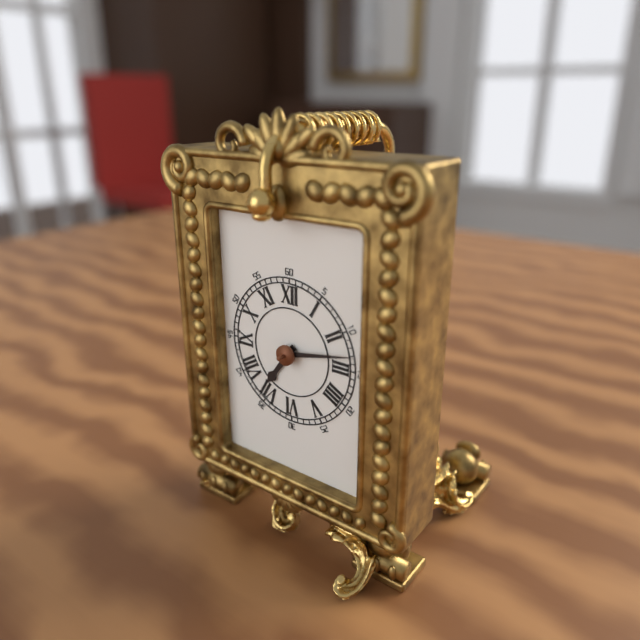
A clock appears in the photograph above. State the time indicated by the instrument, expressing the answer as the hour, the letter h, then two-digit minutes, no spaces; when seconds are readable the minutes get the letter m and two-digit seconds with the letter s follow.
7h13
